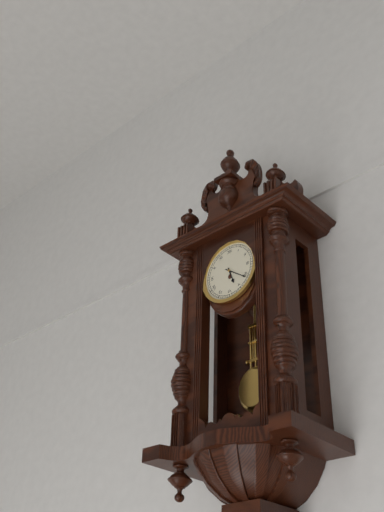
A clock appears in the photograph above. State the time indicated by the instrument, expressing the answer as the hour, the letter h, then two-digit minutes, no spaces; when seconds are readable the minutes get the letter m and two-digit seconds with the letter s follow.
5h21
